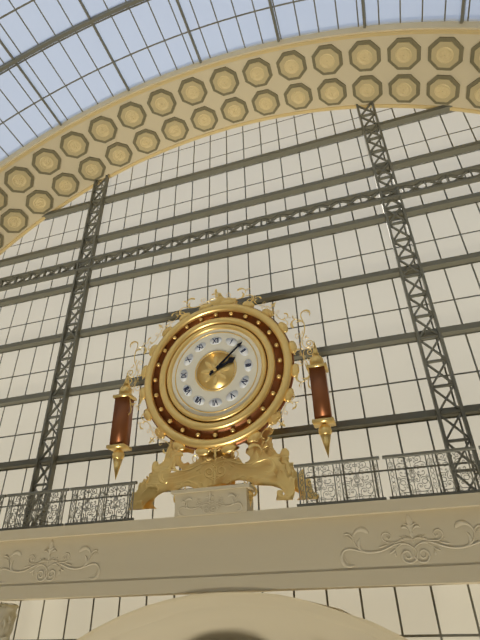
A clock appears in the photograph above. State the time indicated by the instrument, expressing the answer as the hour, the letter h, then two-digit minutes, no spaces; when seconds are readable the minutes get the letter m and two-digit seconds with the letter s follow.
2h08
